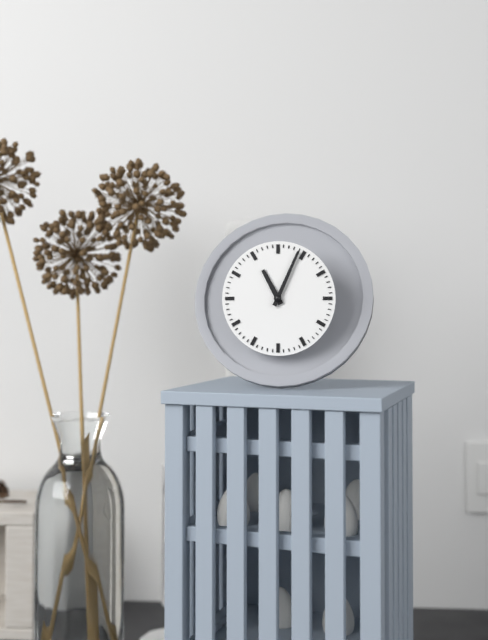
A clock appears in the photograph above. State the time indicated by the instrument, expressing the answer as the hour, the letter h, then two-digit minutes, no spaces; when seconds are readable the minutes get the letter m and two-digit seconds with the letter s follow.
11h04
